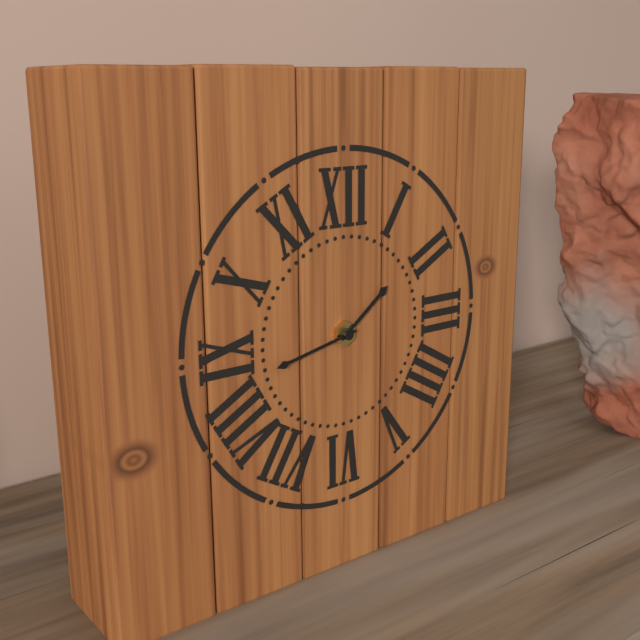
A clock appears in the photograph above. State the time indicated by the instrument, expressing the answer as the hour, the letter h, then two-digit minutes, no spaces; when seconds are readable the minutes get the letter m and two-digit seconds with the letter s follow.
1h43
